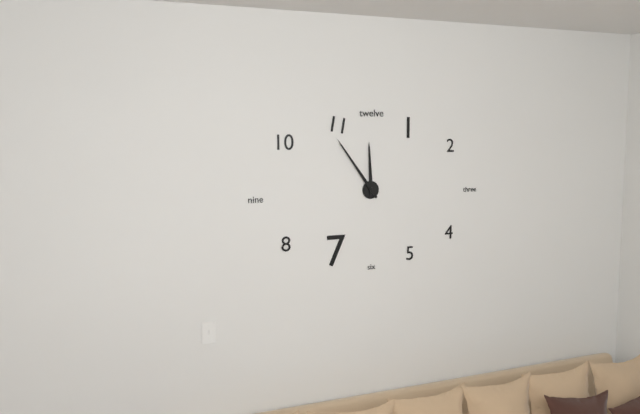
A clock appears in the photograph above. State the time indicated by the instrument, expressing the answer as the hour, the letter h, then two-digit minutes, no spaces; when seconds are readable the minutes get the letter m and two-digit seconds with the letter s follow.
11h54
